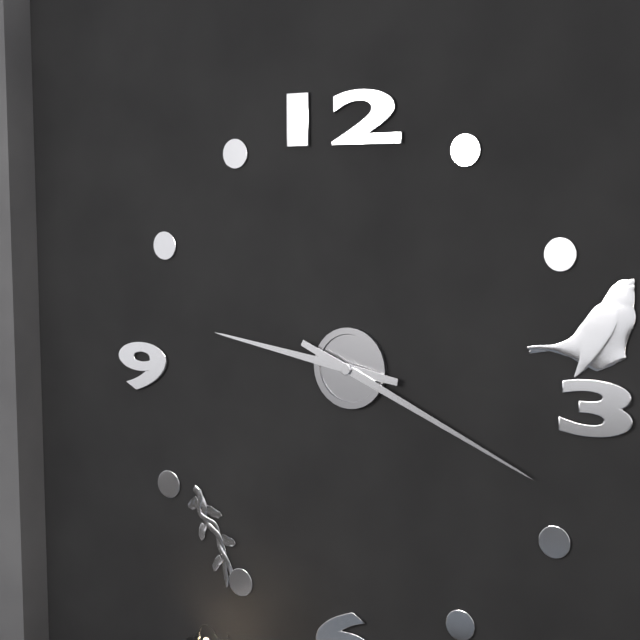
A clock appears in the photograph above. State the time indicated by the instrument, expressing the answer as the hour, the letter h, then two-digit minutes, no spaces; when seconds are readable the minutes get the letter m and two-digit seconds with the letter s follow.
9h19
